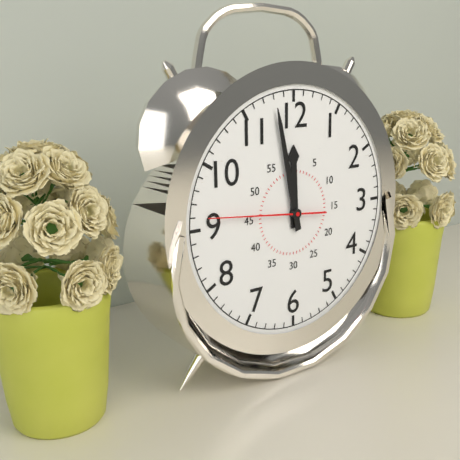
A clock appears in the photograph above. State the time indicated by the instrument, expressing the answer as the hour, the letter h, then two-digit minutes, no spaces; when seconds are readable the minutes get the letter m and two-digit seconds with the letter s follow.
11h58m46s
